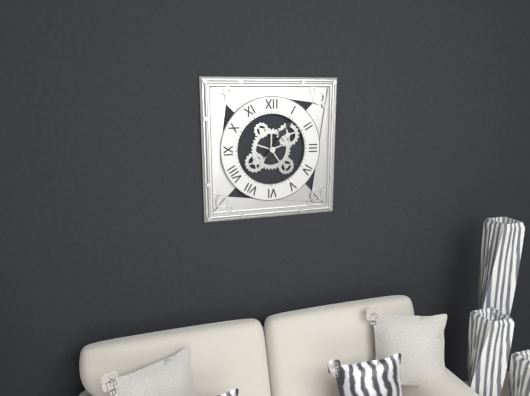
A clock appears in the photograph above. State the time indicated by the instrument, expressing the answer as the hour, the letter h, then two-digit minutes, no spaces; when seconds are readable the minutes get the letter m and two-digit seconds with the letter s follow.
1h06
